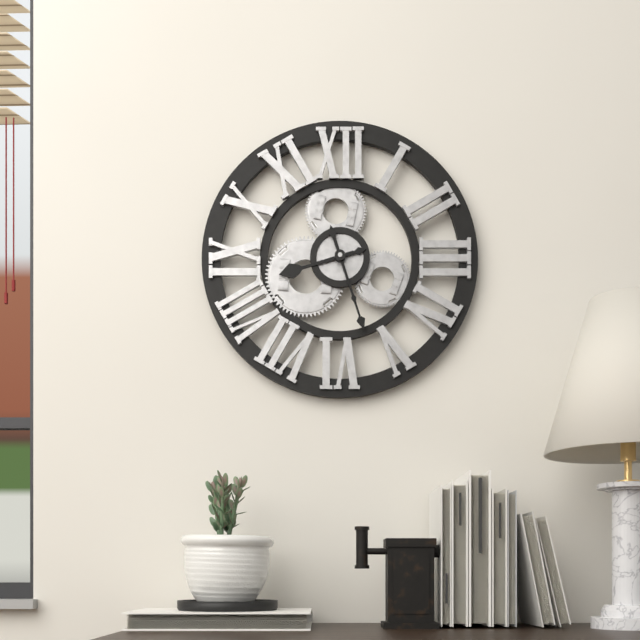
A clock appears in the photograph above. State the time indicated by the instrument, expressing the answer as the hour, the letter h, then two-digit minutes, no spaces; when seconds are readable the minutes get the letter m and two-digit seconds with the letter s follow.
8h27
